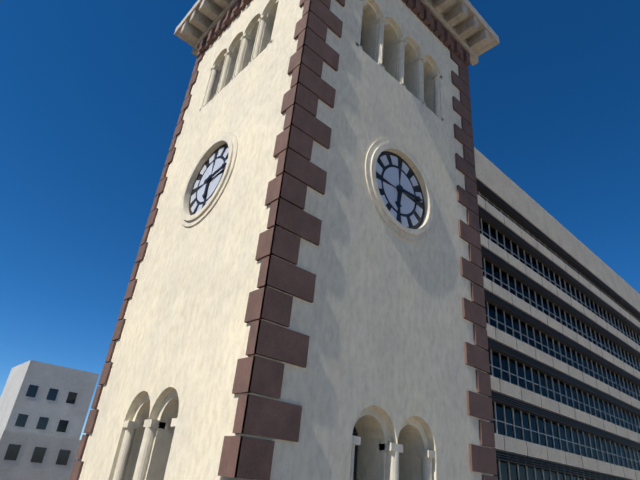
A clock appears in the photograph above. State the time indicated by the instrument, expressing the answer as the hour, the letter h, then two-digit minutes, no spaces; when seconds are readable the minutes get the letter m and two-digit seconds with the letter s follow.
6h14
